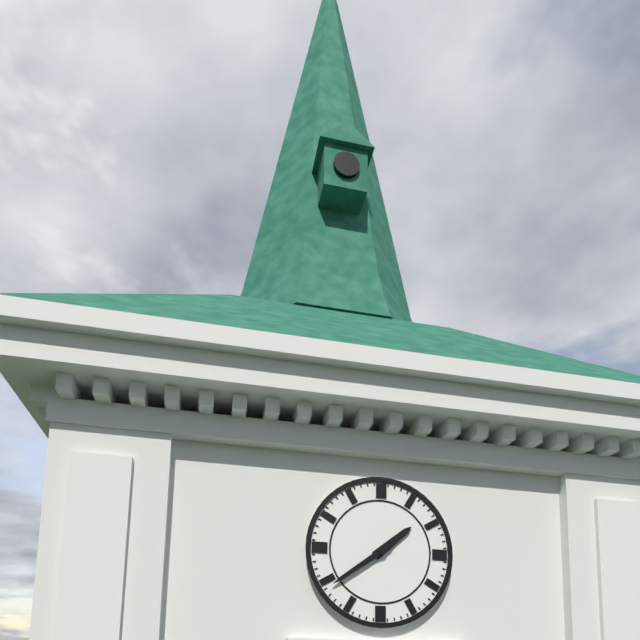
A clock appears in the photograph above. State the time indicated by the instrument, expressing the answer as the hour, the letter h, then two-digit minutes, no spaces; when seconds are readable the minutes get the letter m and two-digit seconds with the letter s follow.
1h39
